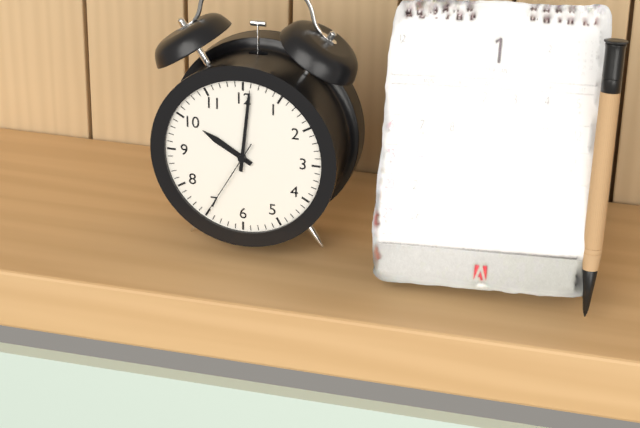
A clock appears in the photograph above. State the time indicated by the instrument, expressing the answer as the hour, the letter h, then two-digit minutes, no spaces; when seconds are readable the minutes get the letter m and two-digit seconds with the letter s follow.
10h01m35s
